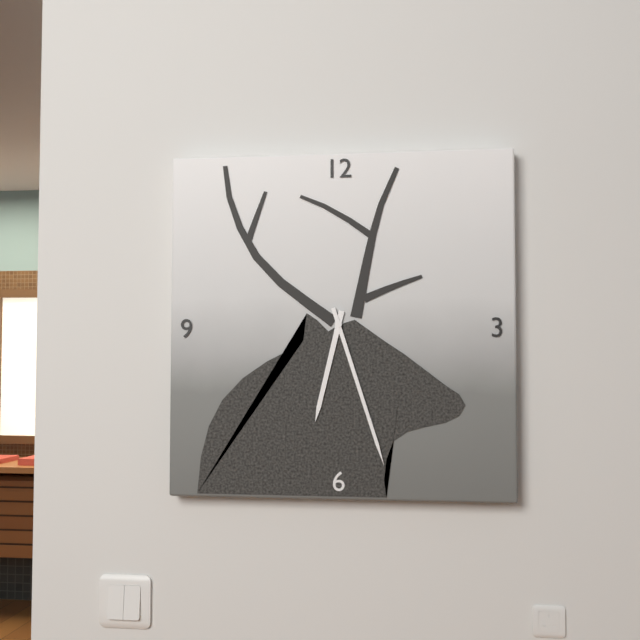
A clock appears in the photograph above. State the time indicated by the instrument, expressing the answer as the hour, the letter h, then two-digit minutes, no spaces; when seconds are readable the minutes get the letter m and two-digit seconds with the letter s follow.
6h27
